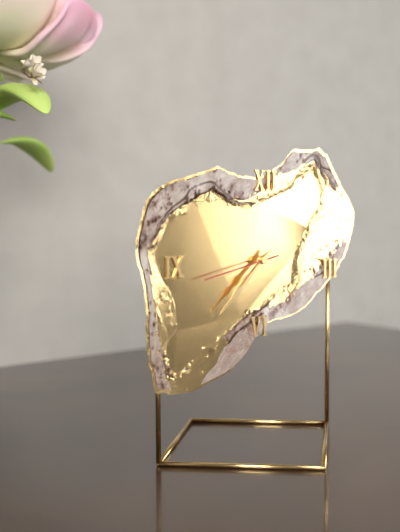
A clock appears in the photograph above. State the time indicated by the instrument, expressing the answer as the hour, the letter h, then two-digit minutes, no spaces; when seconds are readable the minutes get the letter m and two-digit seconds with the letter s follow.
7h38m43s
